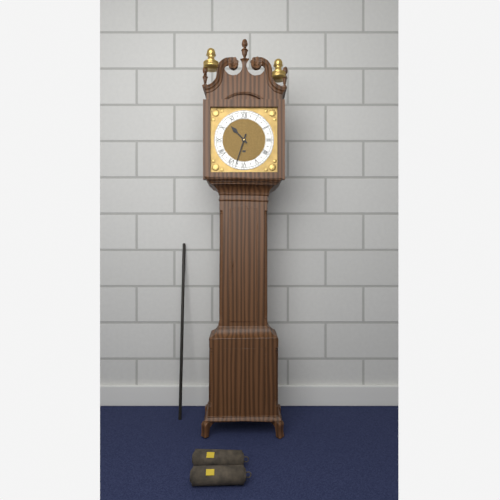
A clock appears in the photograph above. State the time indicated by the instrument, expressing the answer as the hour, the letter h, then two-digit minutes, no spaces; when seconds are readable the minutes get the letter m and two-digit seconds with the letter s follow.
10h33
